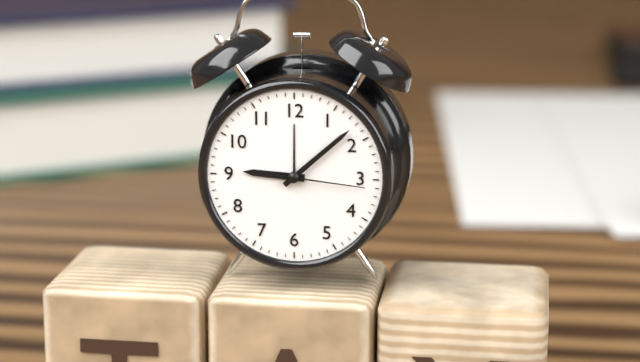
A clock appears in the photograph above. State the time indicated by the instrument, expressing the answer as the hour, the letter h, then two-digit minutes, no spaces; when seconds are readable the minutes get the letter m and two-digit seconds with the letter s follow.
9h08m16s
